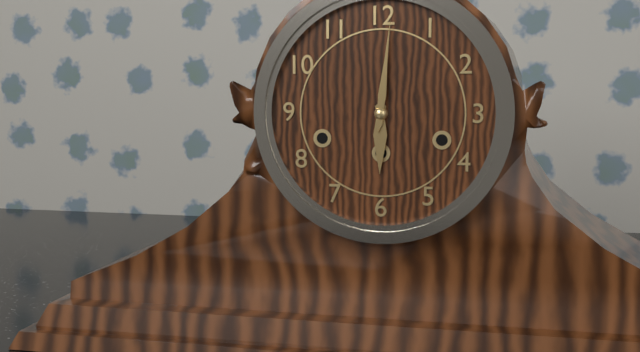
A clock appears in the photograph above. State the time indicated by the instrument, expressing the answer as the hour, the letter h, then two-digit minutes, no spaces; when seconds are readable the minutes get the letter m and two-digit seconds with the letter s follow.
6h01
